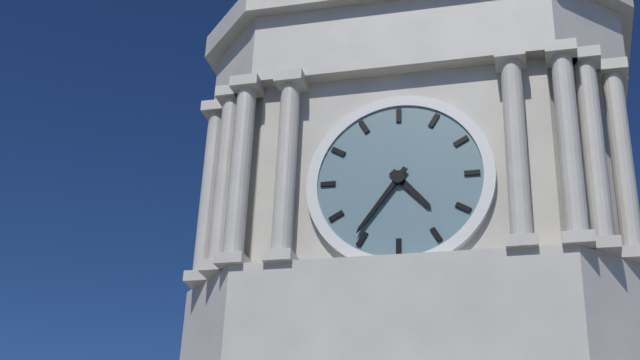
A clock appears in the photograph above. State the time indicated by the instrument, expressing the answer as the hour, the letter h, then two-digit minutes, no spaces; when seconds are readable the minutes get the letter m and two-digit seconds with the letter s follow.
4h36
